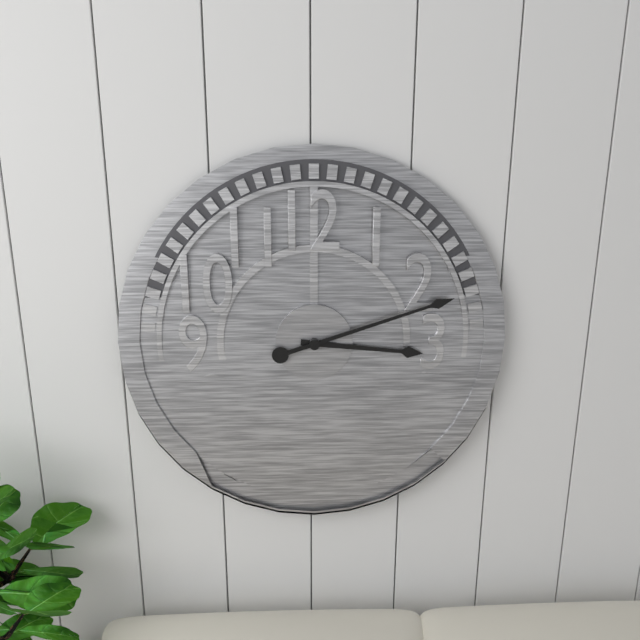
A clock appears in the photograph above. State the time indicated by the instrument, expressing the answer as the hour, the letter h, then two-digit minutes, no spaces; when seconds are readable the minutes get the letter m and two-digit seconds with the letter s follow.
3h12
